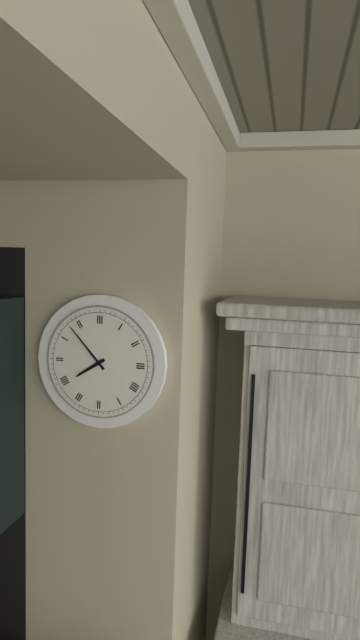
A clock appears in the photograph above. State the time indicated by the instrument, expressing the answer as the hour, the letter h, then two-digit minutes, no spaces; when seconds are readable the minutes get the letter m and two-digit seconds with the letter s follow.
7h53
